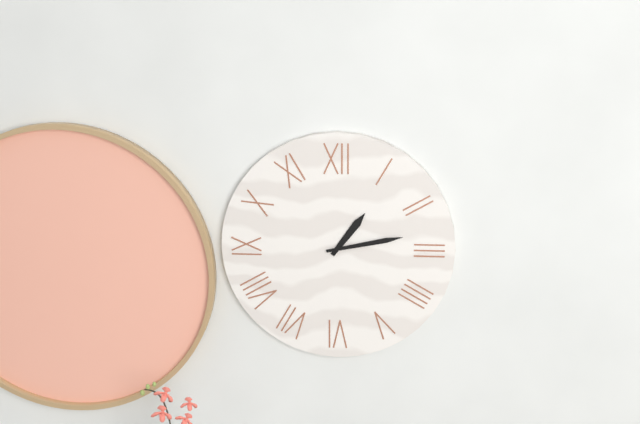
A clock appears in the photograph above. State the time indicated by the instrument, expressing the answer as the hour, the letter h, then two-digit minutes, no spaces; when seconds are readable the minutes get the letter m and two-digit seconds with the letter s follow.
1h13
